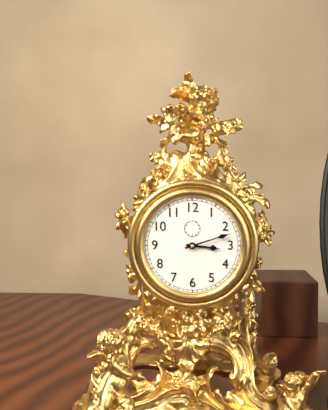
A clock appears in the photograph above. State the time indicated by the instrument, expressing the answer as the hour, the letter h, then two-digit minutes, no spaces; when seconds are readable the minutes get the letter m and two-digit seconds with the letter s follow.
3h12
